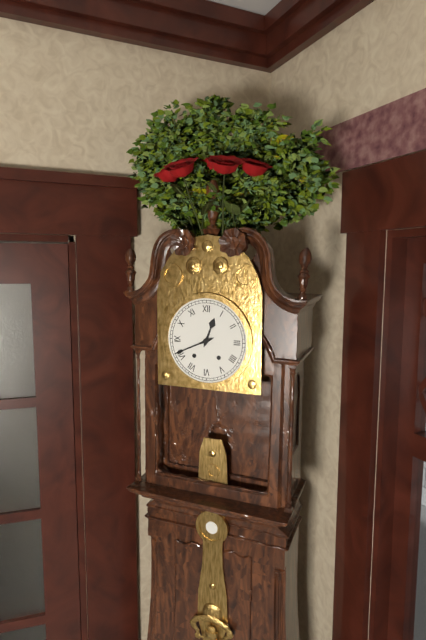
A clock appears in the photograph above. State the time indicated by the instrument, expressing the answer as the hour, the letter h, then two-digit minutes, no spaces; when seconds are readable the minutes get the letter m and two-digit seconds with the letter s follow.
12h41
